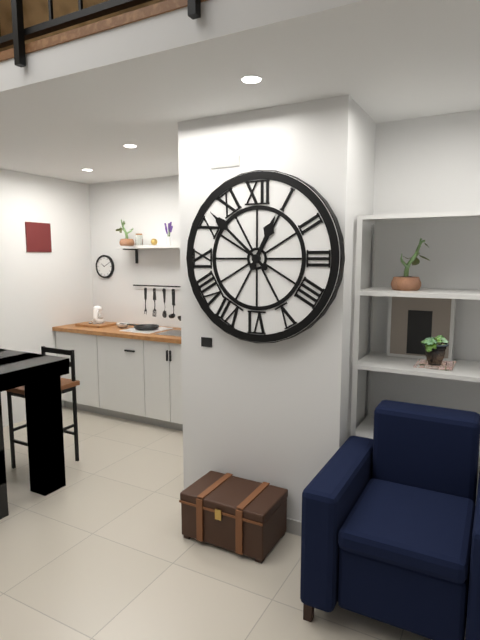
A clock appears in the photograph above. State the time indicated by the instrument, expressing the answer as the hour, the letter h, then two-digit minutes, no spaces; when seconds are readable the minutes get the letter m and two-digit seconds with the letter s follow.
12h52
